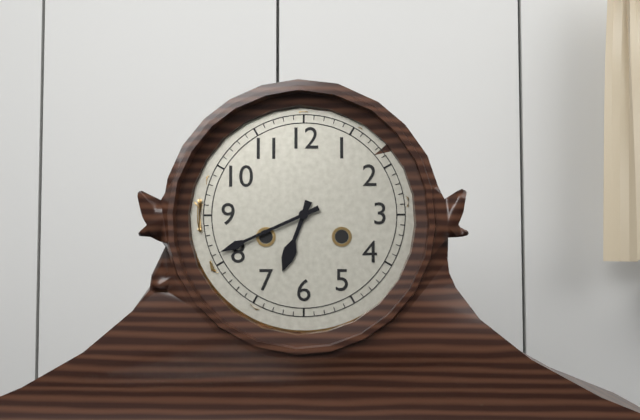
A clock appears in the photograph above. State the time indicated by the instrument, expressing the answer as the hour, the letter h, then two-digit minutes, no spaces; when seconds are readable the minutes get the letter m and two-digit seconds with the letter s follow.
6h41
